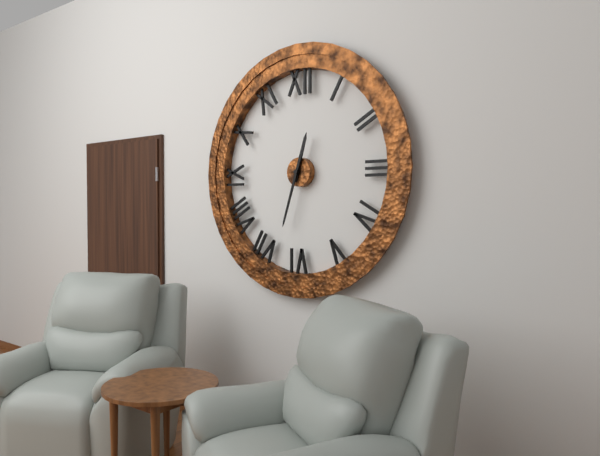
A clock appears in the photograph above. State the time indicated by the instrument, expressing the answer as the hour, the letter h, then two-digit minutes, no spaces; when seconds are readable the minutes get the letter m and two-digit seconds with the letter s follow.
12h33
